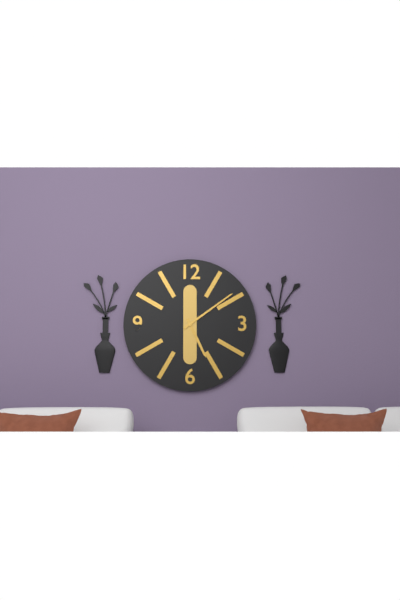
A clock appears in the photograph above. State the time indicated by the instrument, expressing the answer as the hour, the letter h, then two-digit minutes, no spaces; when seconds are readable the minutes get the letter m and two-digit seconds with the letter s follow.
5h09
